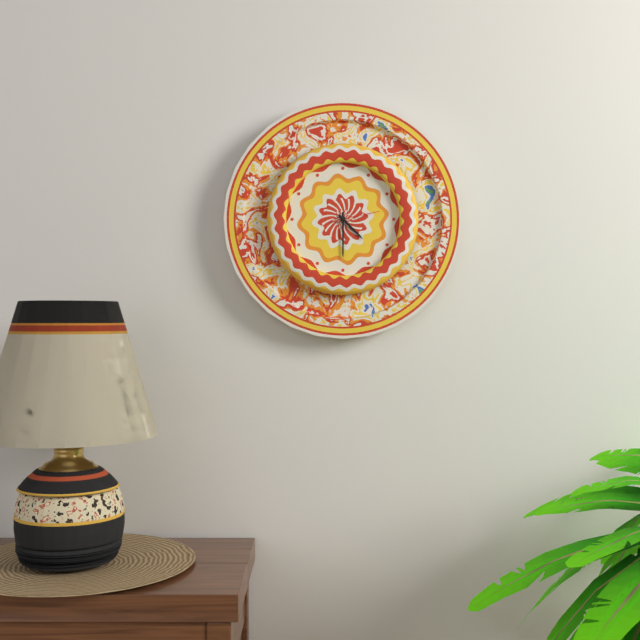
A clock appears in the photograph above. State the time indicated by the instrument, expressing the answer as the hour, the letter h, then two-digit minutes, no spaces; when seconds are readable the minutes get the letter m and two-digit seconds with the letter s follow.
4h30
